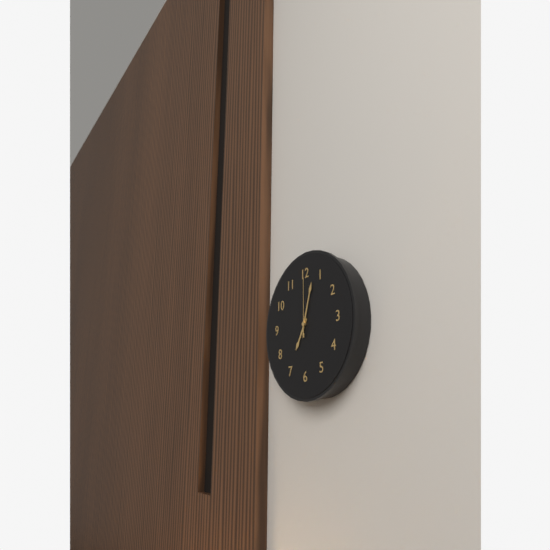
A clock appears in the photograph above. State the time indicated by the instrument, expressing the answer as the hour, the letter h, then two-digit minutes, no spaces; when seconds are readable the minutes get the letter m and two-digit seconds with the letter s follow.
7h03m00s
